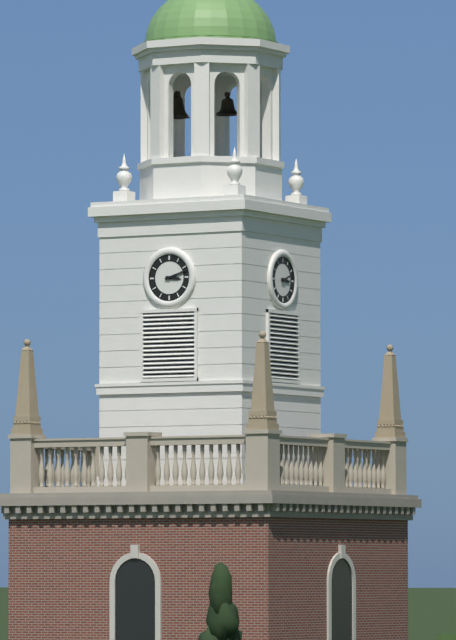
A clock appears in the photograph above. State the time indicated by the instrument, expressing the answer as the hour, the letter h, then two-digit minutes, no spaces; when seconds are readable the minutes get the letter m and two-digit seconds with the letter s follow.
3h12
